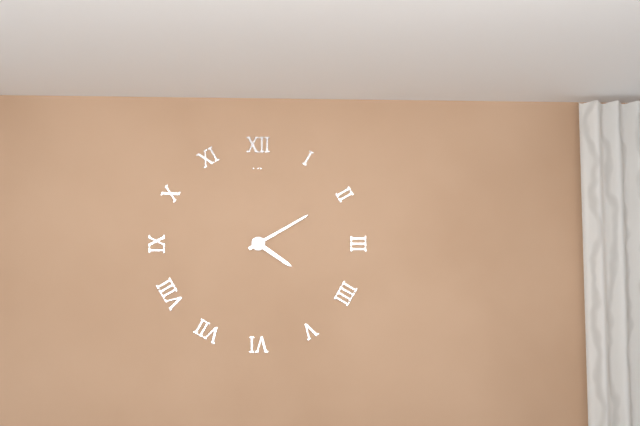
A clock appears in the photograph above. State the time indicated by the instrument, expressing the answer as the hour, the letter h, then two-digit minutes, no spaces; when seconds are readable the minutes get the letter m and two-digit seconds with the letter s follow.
4h10
